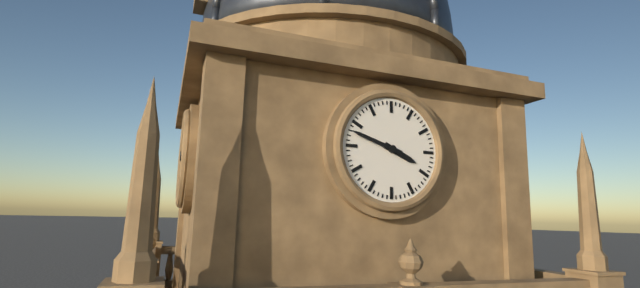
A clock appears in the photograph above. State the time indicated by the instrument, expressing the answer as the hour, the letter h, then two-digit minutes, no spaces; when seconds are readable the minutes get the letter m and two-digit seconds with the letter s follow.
3h48
